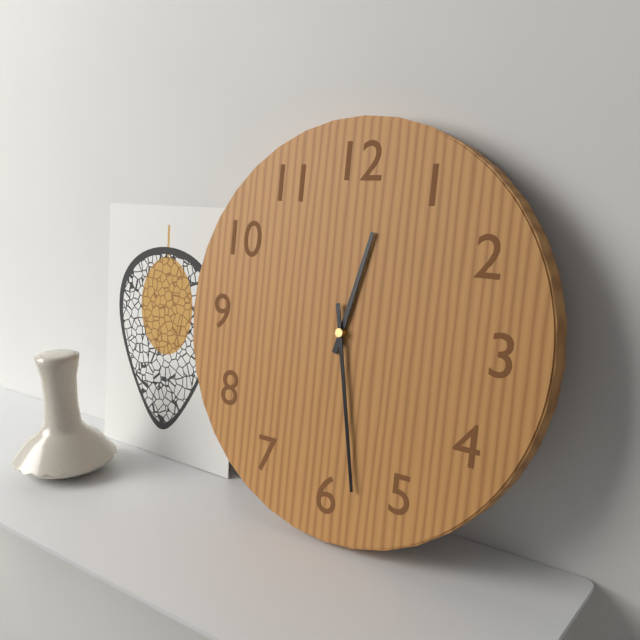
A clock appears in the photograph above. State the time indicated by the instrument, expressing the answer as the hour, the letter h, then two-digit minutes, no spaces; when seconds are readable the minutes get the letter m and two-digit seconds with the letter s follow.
12h28
